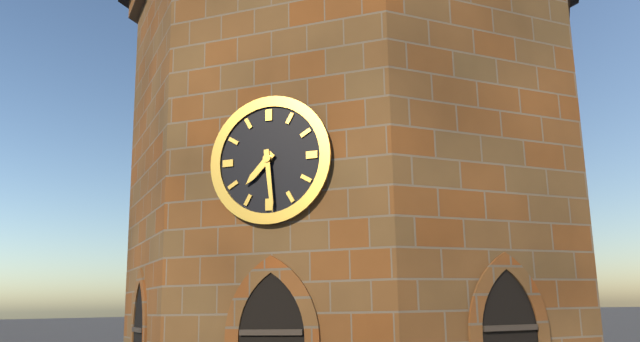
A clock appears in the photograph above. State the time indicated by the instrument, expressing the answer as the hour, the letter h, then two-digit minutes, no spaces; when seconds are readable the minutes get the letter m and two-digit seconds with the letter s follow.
7h29
